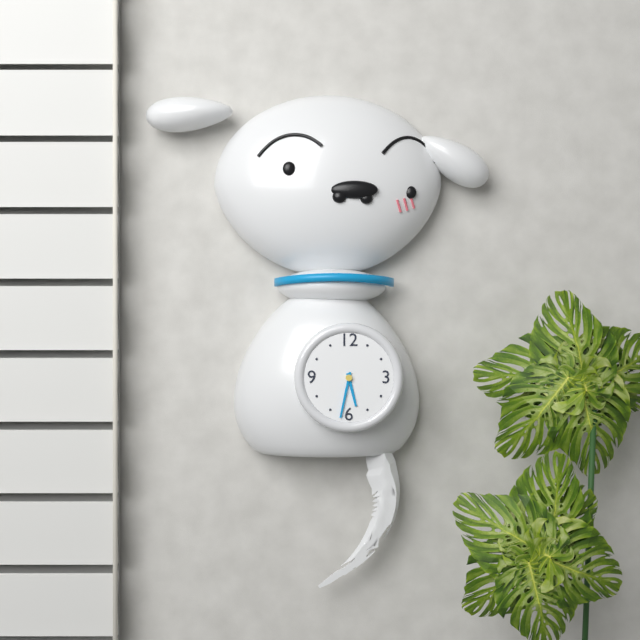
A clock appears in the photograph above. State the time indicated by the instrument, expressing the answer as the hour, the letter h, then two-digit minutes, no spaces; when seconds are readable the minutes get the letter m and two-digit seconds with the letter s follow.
5h32
